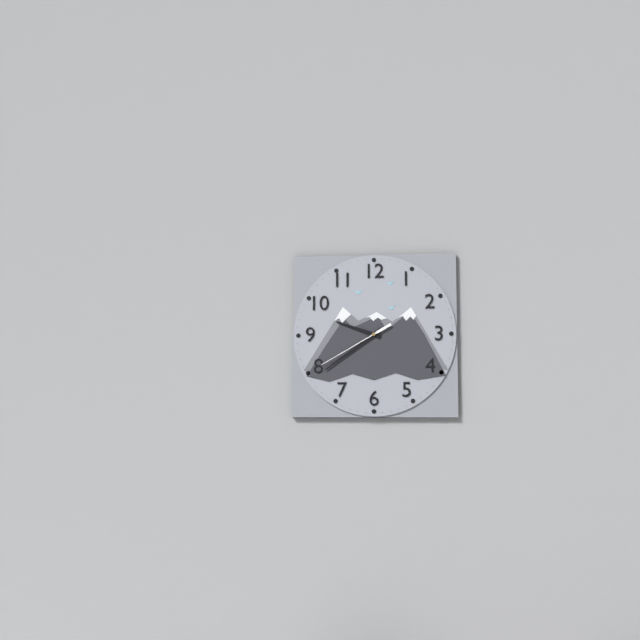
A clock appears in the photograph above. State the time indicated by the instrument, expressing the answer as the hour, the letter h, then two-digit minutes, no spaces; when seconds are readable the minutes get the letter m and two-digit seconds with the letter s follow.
9h39m40s
